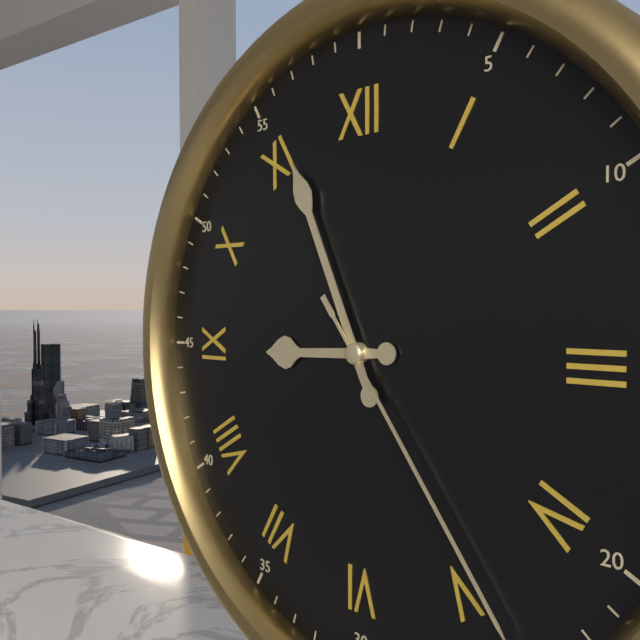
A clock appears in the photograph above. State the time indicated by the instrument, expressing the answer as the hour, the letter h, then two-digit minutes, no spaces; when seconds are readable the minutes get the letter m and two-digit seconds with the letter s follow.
8h56
